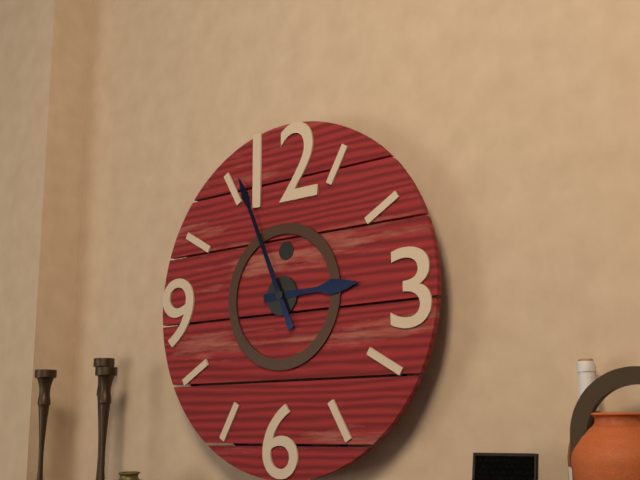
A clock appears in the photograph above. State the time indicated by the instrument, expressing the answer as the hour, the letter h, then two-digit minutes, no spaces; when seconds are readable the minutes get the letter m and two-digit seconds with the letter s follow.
2h56
